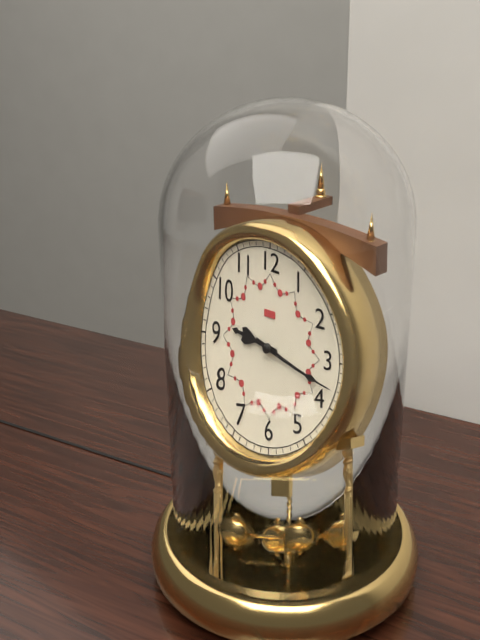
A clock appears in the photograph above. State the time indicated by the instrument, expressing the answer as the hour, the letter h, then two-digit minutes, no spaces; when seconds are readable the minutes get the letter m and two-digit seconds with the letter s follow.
9h18
